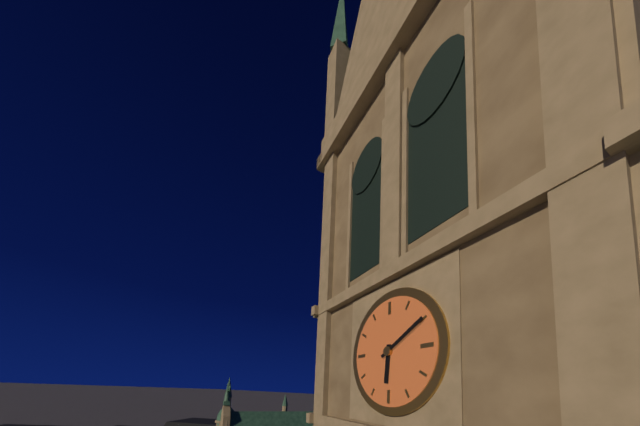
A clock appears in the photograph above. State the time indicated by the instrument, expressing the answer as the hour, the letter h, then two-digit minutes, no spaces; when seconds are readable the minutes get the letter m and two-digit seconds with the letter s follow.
6h10
